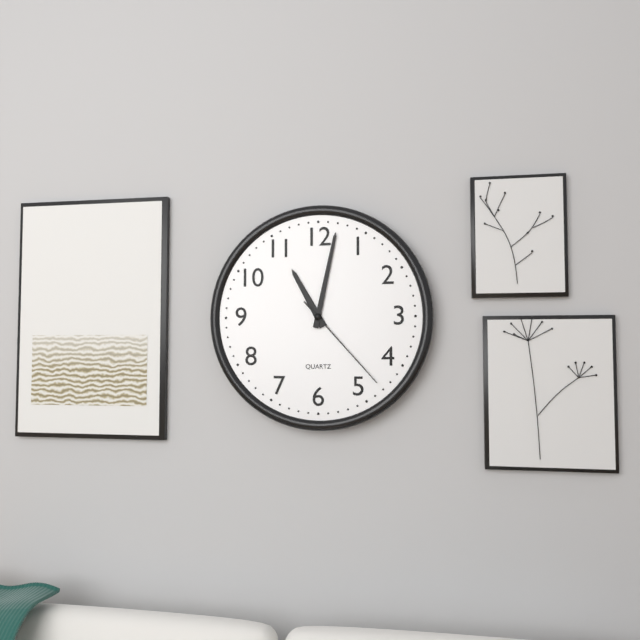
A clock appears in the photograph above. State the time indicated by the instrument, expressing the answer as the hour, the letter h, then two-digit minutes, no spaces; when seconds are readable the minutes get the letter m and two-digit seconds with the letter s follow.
11h02m23s
